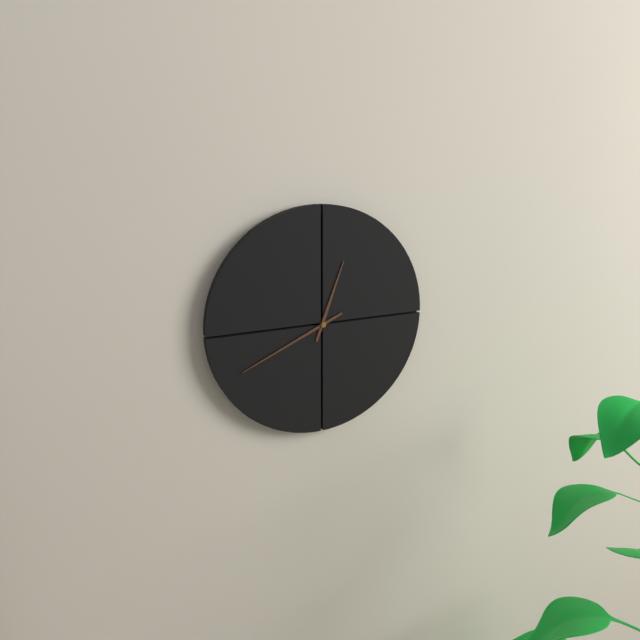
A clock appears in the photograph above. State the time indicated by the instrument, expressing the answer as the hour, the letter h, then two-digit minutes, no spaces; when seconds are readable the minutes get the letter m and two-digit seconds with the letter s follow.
12h41
